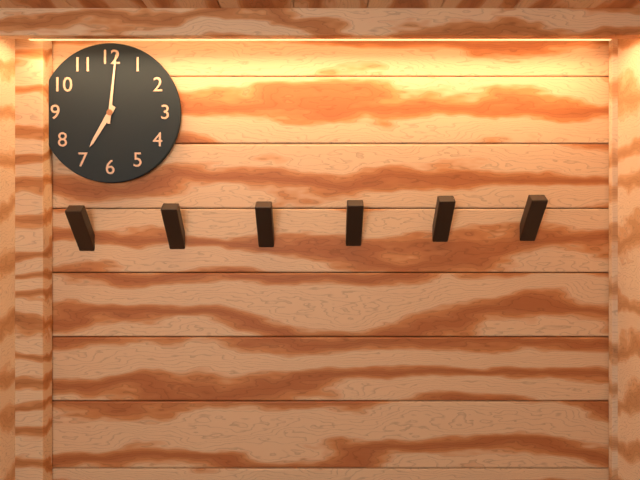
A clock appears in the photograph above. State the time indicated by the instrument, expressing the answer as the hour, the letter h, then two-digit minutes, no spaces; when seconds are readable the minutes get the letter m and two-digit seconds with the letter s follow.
7h01
